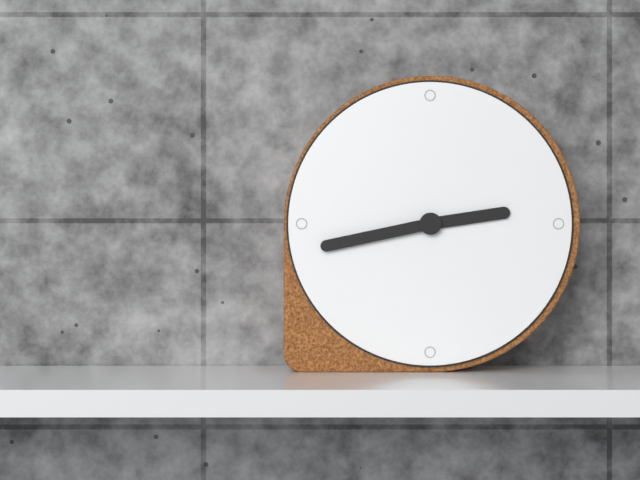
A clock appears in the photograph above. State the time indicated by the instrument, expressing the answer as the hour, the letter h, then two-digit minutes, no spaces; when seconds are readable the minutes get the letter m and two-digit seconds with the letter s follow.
2h43
